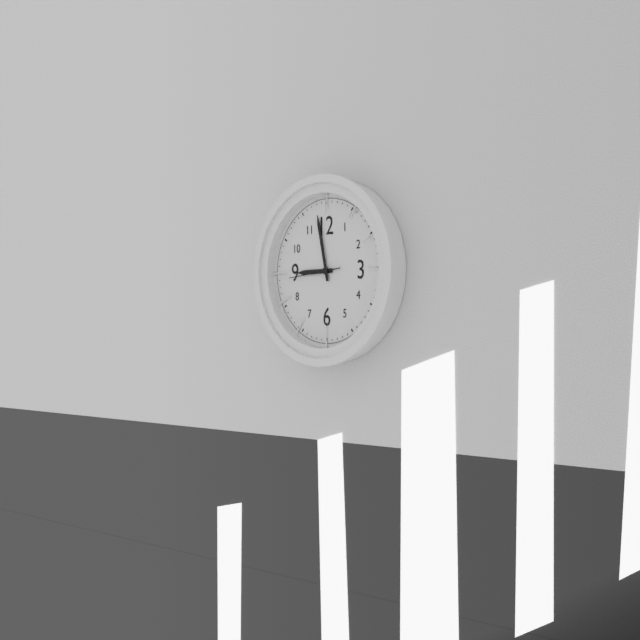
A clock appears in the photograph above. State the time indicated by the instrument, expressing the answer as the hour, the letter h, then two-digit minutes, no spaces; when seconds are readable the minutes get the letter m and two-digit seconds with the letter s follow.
8h58
